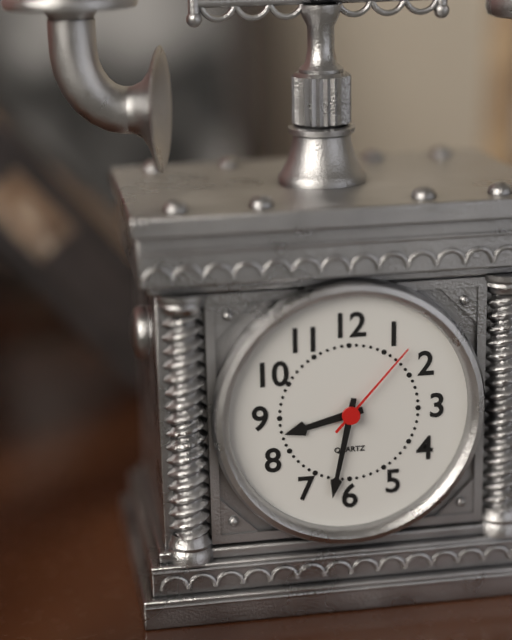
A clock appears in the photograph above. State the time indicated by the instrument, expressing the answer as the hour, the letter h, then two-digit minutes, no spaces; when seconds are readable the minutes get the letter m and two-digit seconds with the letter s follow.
8h32m07s
